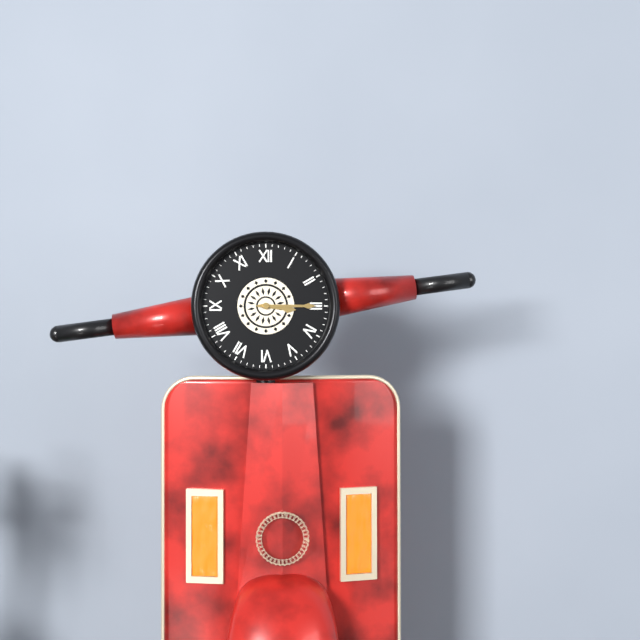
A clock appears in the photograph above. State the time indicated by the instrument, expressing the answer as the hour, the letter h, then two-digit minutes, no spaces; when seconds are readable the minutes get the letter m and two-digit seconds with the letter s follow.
3h15
